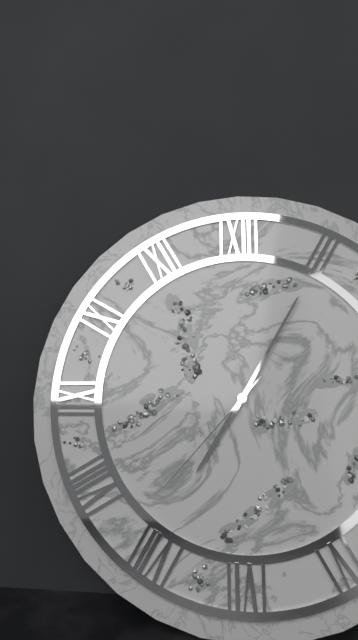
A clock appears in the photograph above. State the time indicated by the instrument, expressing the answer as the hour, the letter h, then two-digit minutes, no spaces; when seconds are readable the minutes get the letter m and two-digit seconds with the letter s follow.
7h05m37s
